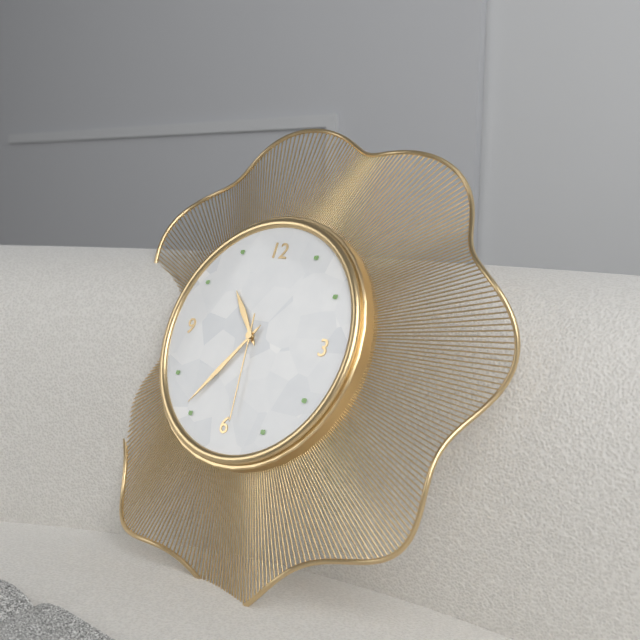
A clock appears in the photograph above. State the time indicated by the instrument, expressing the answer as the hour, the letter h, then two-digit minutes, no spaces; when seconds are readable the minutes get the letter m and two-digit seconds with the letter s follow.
10h36m29s
